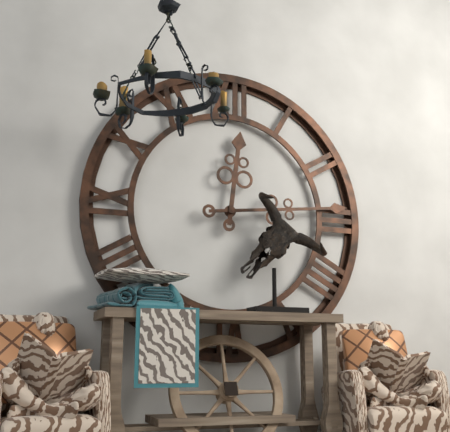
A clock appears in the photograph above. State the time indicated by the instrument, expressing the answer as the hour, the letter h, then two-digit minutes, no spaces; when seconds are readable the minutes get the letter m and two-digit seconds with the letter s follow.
12h14
